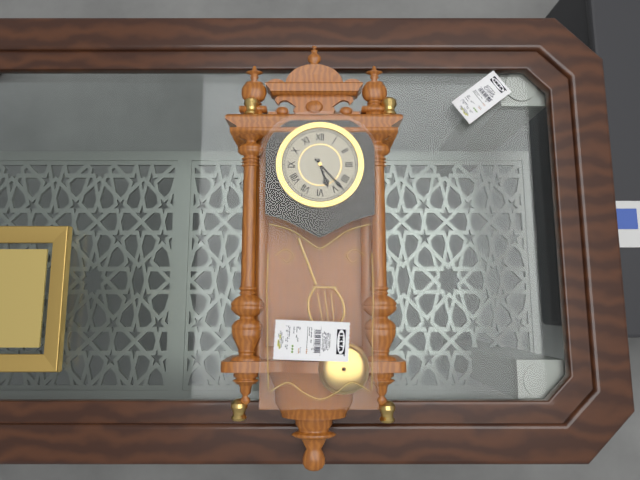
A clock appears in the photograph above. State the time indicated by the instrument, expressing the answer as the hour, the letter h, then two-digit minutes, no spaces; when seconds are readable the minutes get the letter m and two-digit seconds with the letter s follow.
5h23
